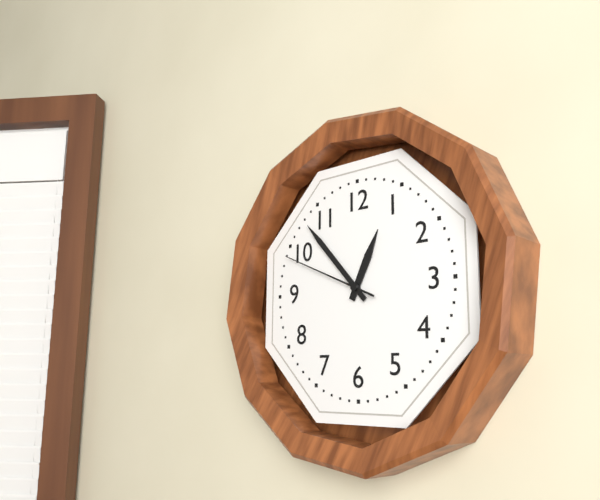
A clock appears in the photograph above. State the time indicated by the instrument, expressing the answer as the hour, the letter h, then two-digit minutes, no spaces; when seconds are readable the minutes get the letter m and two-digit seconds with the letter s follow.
12h53m49s
